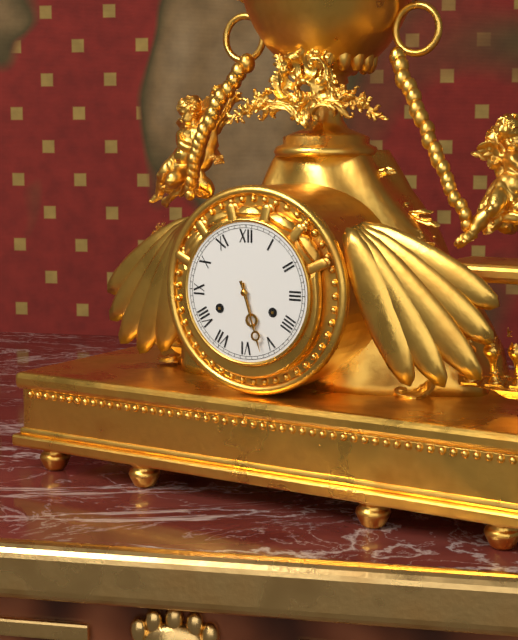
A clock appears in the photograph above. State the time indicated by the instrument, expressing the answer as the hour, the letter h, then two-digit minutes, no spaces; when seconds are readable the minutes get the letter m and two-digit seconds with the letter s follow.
5h27
